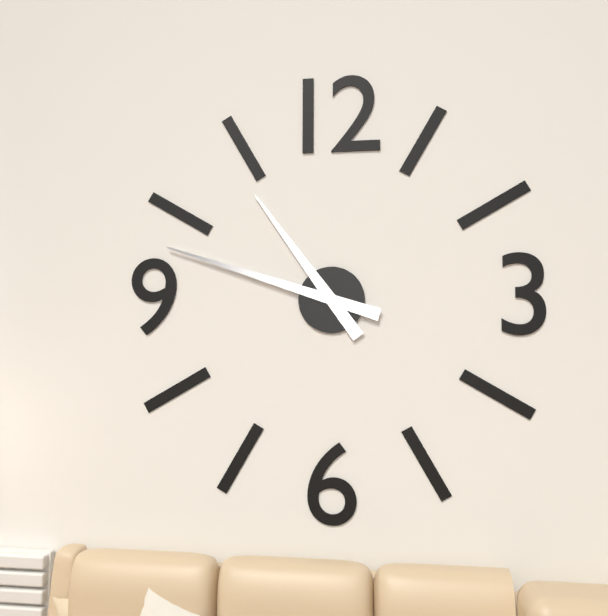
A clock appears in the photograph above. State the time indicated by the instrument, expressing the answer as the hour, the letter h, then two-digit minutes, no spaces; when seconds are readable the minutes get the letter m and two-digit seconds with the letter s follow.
10h48
